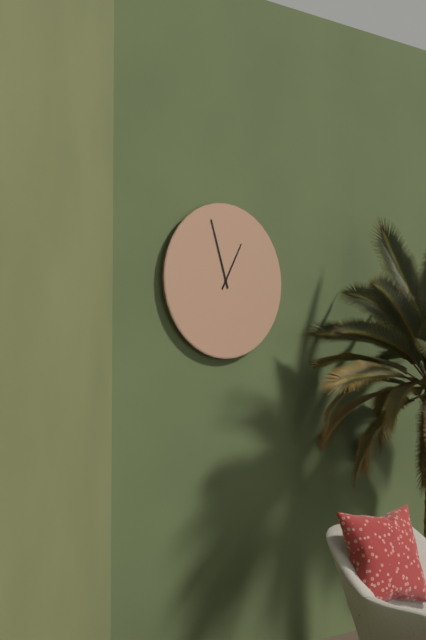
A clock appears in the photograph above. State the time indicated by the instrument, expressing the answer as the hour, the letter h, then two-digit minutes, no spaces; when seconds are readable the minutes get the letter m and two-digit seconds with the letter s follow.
12h57
